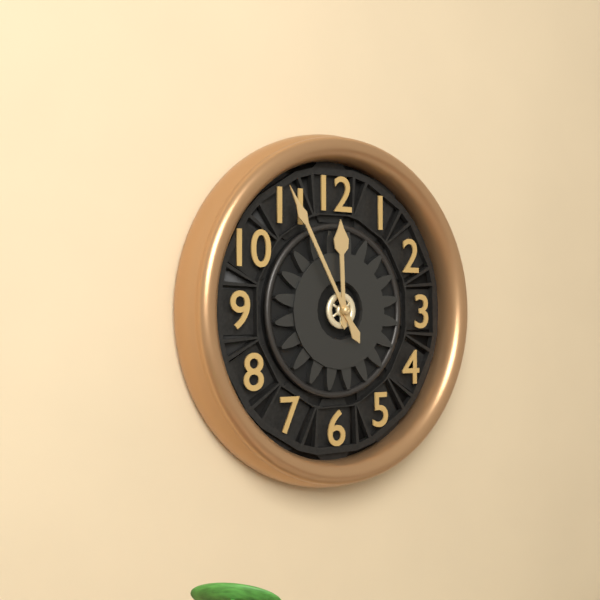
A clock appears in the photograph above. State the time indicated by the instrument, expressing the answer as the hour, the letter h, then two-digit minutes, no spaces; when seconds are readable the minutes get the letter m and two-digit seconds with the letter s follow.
11h55
